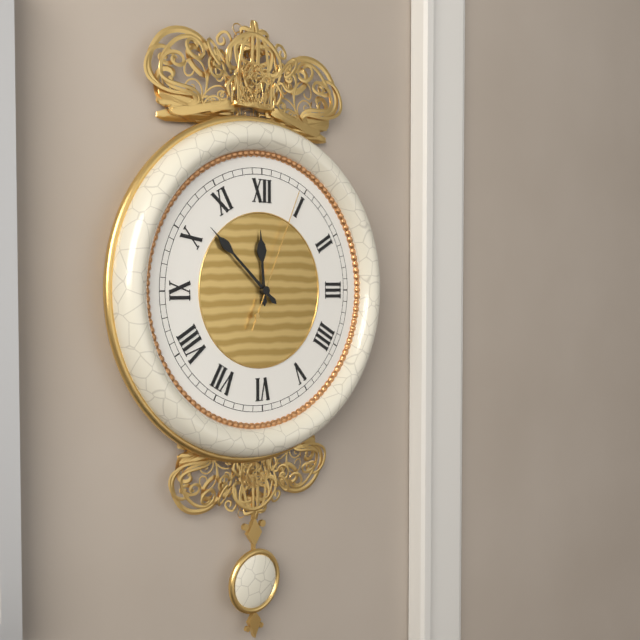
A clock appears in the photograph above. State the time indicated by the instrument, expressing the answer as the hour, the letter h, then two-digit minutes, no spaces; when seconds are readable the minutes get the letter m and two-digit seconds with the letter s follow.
11h52m04s
